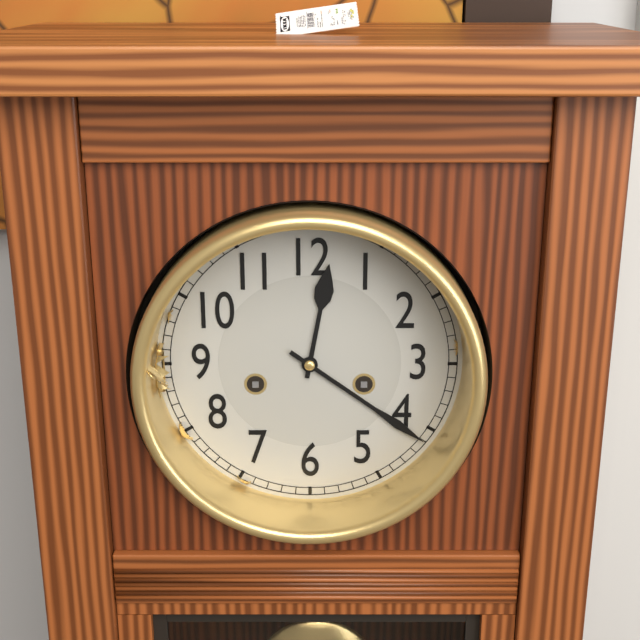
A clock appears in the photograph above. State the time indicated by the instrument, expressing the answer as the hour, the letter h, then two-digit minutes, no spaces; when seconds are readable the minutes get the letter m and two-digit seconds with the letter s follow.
12h21
